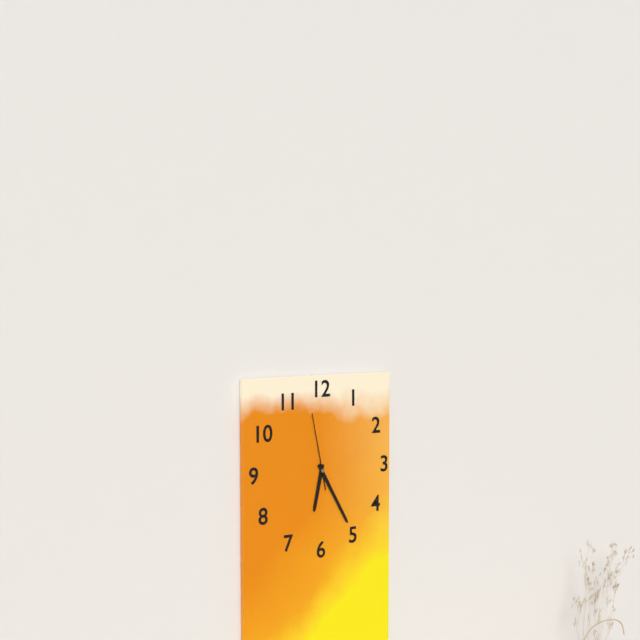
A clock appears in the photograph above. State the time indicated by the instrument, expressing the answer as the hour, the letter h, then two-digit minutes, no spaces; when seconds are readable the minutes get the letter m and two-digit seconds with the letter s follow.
6h25m58s
